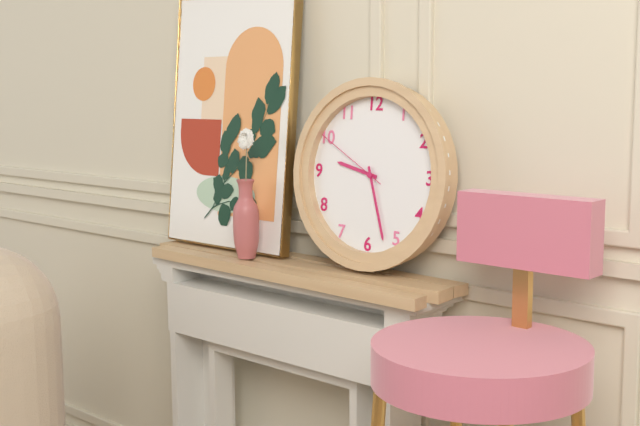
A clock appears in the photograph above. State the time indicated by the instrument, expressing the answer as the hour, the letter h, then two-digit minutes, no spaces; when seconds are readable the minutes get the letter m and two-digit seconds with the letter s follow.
9h27m50s
